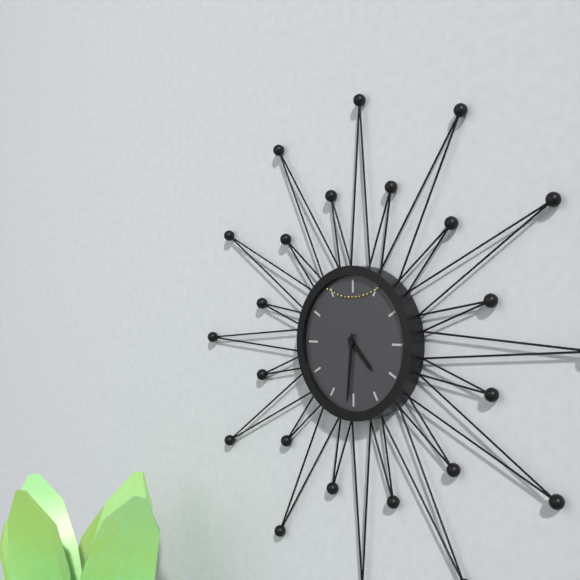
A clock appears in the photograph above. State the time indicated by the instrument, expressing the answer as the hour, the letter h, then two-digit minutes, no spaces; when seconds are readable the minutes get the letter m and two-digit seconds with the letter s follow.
4h31
